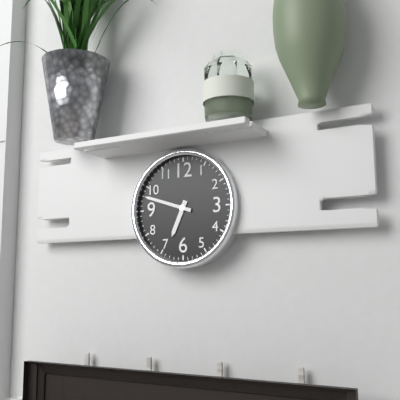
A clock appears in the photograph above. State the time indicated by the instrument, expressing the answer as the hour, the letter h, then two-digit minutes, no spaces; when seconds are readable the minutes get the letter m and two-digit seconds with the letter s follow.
6h48
